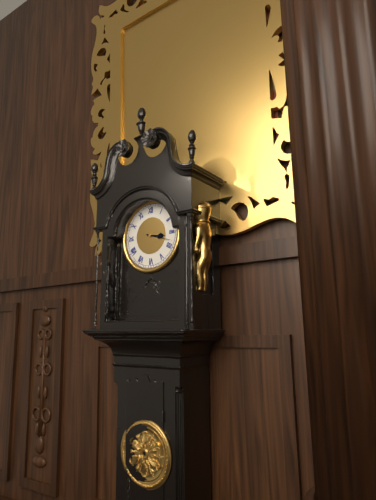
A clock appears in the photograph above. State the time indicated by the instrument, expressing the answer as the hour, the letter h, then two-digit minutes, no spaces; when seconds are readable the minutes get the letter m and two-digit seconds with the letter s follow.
3h18
